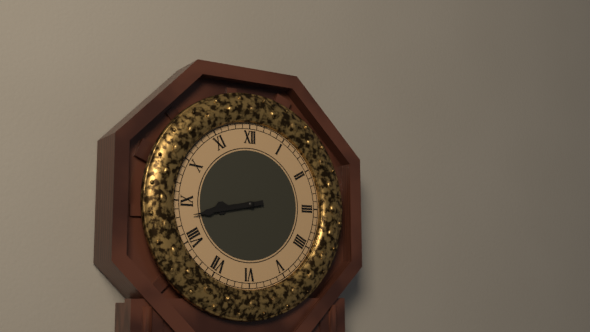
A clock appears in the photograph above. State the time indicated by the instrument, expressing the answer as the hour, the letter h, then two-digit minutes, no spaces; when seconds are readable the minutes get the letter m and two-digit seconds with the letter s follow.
8h43
